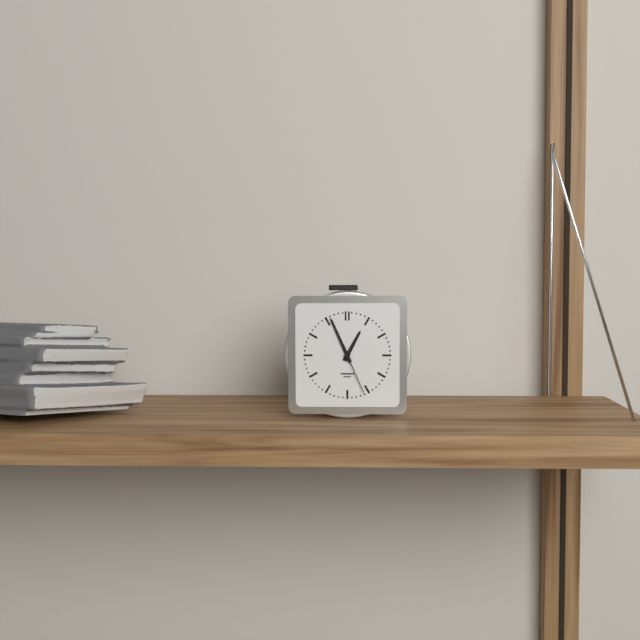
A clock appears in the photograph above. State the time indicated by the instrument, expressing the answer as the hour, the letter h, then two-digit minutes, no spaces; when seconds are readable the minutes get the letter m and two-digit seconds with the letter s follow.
12h56m26s
